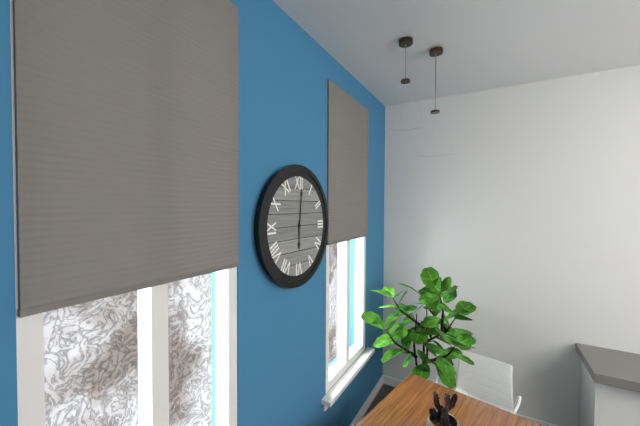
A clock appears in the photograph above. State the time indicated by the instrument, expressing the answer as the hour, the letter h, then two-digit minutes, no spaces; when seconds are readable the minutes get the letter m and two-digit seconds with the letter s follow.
6h01
